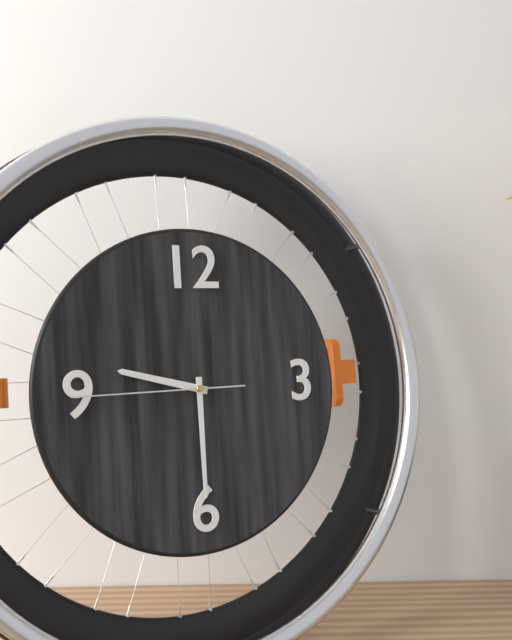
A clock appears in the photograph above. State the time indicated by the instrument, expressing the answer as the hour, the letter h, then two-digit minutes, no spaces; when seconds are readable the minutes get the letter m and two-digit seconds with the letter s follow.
9h30m45s
